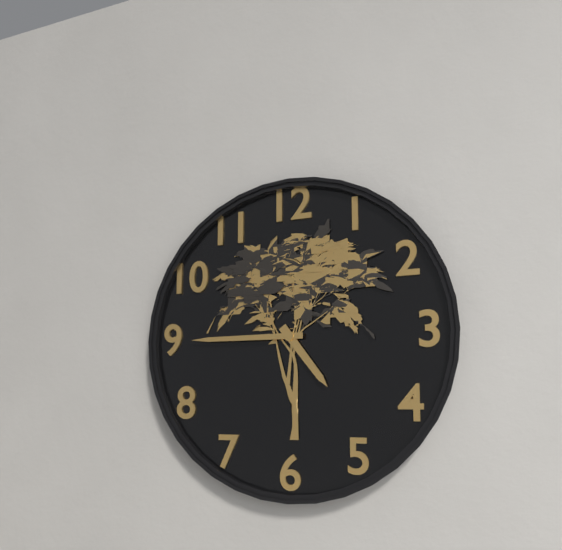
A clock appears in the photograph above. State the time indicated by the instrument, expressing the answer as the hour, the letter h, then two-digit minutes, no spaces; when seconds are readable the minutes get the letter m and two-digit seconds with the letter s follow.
4h45
